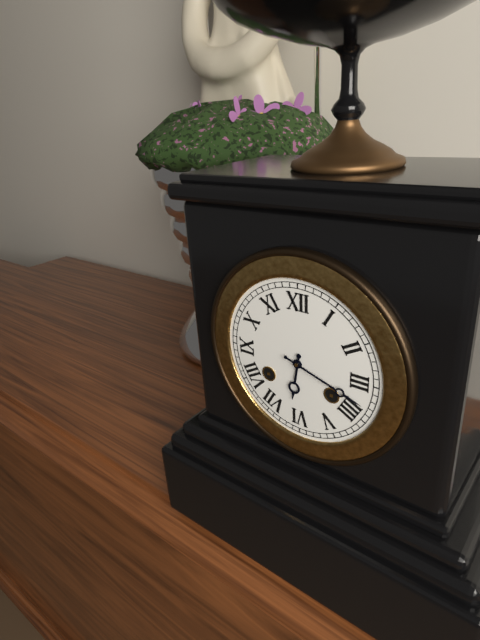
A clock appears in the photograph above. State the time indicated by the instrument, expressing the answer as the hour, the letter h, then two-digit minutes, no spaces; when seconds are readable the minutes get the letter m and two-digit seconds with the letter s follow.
6h18
